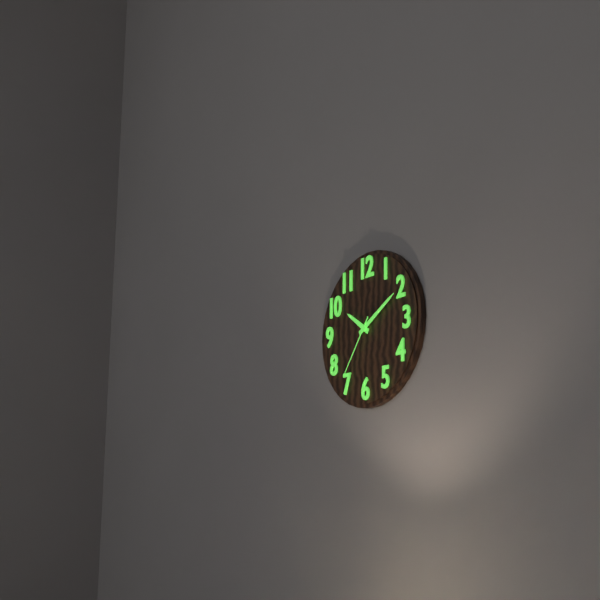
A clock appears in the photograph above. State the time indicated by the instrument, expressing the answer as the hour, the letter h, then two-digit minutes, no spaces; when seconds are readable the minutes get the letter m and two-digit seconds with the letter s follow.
10h10m36s
